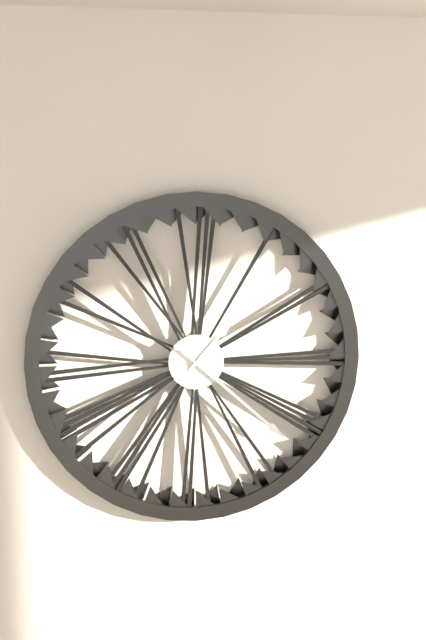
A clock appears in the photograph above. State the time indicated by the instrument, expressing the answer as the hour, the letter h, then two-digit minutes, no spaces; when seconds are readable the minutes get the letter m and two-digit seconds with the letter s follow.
1h22
